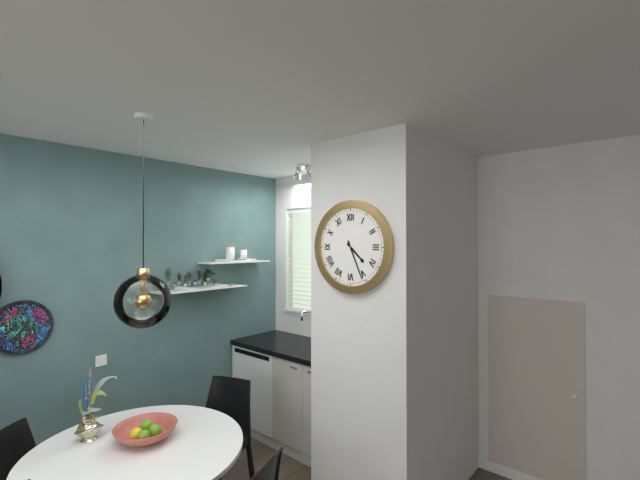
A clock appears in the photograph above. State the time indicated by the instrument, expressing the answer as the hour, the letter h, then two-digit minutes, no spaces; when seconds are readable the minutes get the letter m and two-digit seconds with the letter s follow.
4h26
